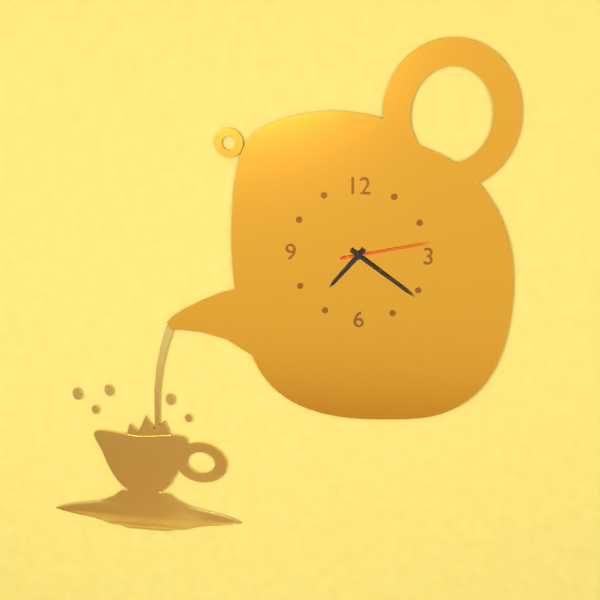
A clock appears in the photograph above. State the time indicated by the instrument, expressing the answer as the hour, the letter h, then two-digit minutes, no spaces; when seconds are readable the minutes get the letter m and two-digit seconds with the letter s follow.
7h21m13s
